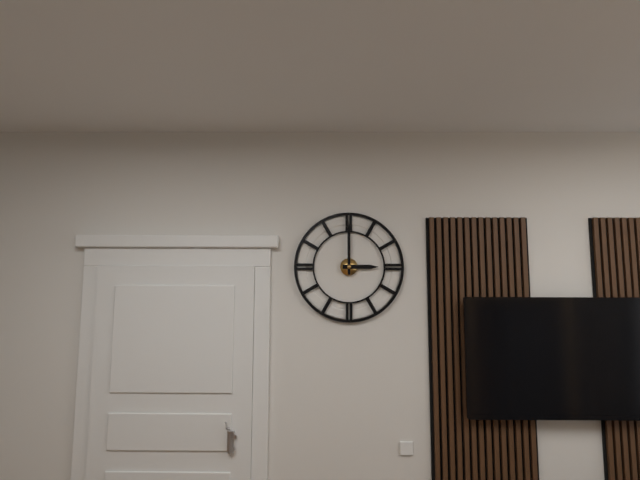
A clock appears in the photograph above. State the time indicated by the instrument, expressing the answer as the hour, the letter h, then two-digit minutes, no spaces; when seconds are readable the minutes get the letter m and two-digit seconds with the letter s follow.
3h00
